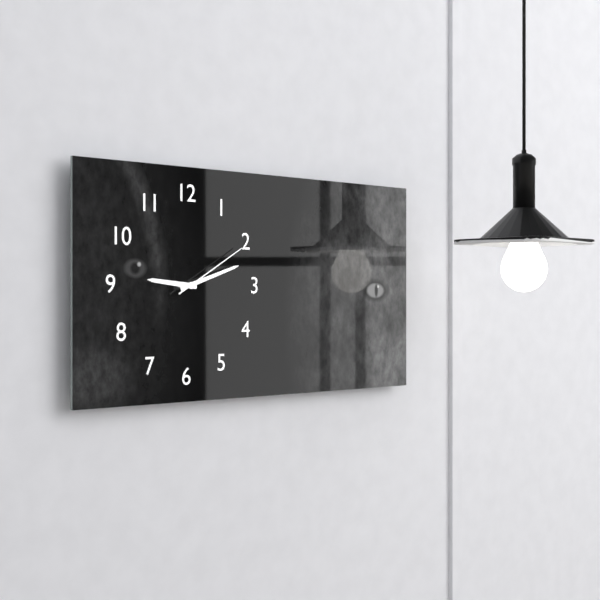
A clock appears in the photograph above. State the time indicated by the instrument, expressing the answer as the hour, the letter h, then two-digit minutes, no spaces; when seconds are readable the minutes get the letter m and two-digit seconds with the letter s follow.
9h12m10s
